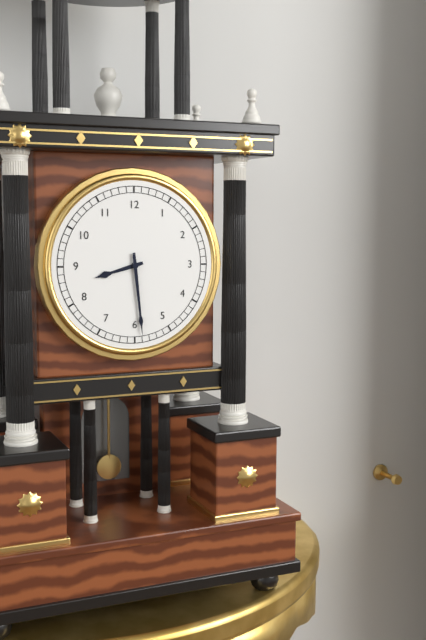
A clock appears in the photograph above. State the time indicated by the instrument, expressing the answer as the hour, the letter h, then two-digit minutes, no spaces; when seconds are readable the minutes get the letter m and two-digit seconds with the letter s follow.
8h29
